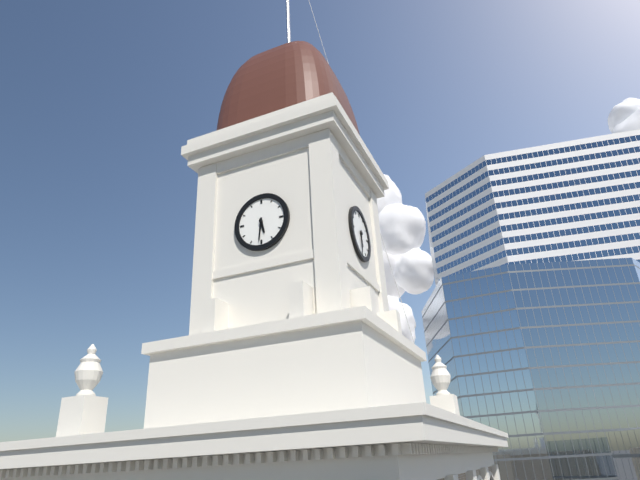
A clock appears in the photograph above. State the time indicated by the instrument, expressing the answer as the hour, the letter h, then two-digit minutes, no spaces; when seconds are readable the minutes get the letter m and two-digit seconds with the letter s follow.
5h31
